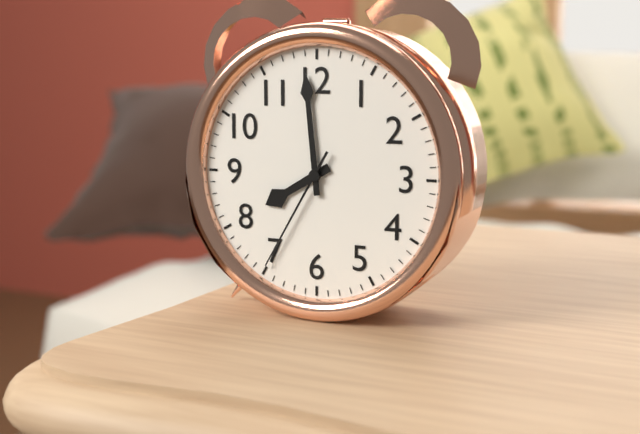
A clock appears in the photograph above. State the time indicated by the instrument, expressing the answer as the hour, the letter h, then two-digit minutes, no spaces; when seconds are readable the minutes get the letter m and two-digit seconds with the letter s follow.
7h59m35s
